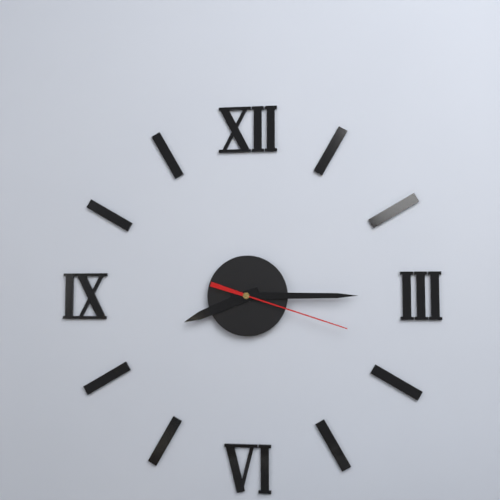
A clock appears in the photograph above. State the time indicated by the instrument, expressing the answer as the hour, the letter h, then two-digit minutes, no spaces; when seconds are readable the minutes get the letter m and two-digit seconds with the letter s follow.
8h15m18s
